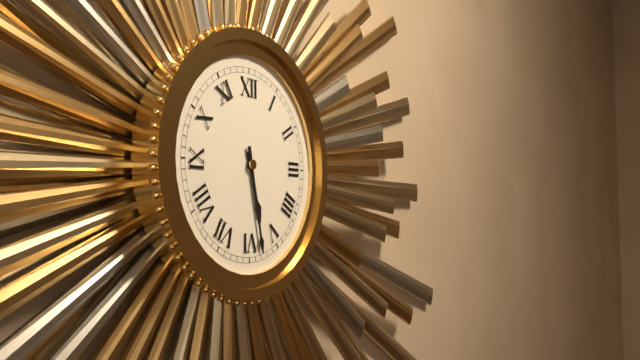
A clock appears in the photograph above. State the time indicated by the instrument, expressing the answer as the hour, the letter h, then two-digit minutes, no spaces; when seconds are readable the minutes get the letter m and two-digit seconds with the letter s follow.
5h28
